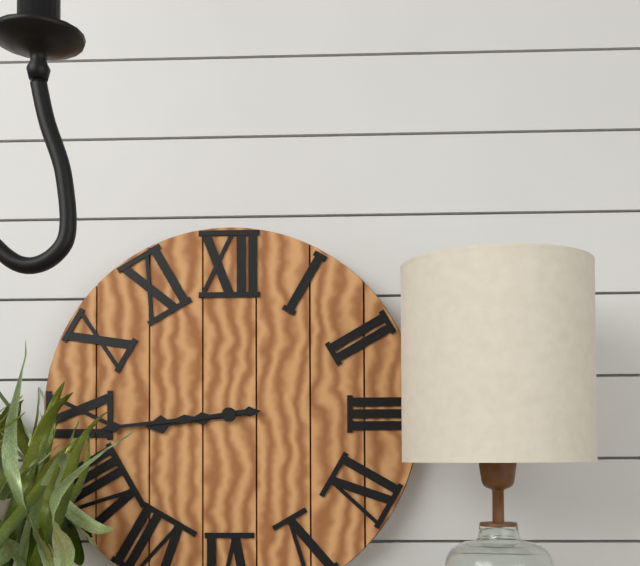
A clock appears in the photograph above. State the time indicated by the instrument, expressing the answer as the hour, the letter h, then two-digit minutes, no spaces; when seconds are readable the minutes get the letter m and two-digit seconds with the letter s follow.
8h44
